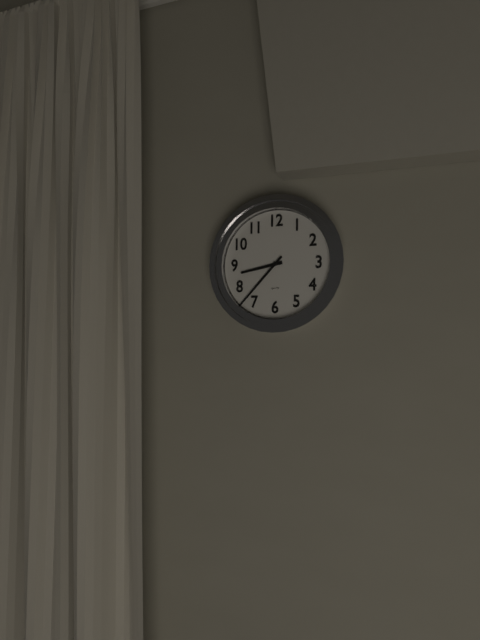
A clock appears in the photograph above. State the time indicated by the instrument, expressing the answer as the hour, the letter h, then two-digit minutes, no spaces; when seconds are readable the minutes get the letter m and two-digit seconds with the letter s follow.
8h37
